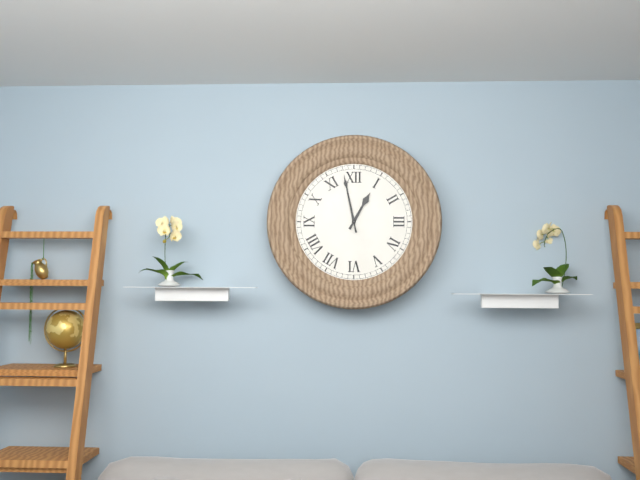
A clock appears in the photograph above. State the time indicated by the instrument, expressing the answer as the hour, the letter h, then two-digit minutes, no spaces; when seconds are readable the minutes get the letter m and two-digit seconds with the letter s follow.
12h58
